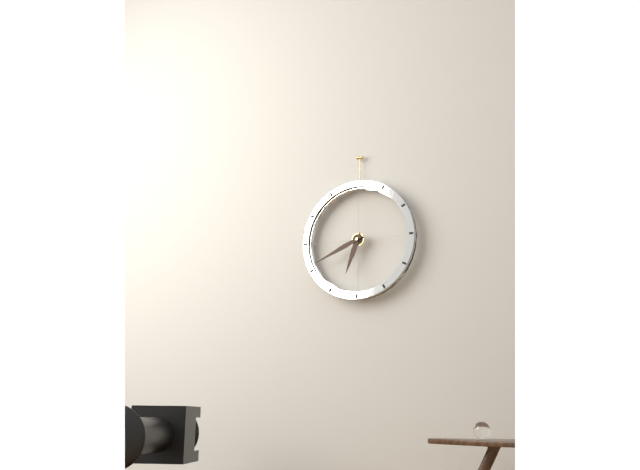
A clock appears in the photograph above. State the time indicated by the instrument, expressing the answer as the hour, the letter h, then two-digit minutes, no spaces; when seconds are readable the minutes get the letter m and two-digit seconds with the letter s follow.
6h41
